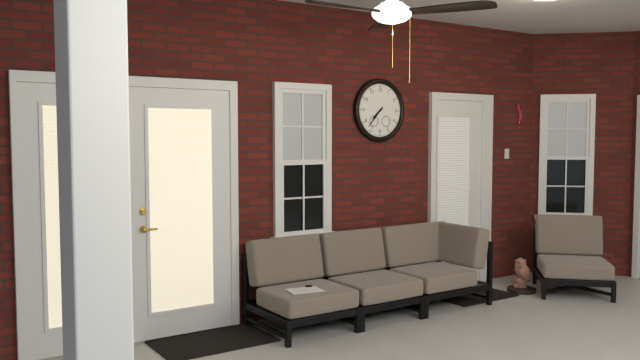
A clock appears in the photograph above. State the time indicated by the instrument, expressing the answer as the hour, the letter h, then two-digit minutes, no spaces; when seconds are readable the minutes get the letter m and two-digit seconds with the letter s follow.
7h37
